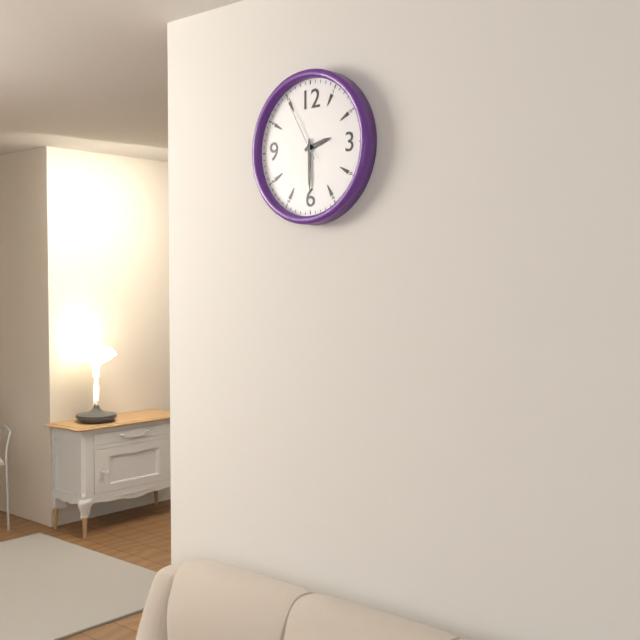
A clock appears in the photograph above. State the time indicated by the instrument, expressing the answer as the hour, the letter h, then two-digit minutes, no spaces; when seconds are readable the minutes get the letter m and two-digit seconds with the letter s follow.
2h30m55s
